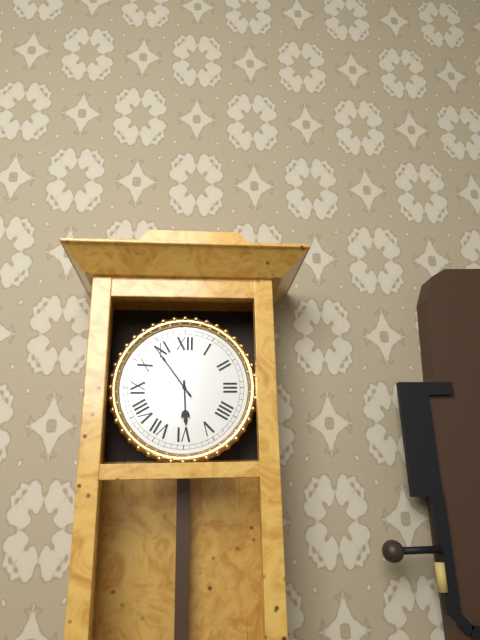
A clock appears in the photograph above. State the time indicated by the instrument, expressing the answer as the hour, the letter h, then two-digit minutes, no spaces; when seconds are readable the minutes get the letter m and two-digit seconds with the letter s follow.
5h54
